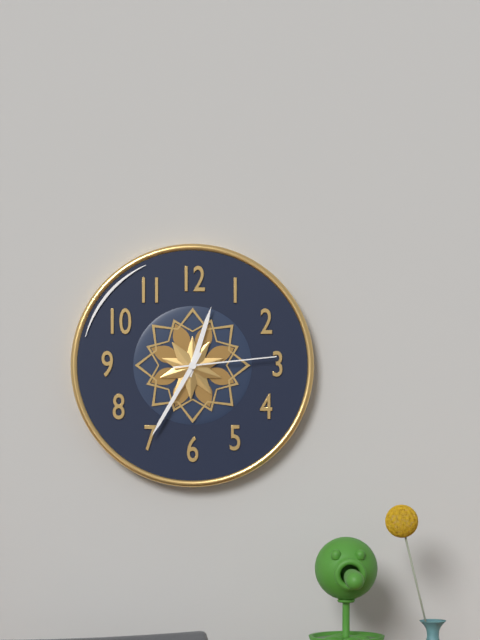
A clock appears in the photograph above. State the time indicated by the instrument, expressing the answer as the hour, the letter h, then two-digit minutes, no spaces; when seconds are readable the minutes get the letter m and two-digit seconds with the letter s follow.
12h35m14s
